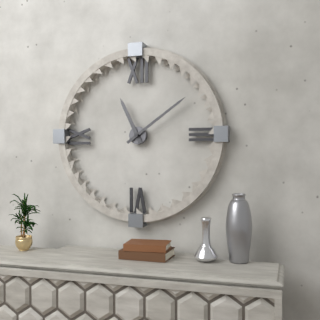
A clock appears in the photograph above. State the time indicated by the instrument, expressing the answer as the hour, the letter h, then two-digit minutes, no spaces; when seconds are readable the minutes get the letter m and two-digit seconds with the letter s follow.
11h09
